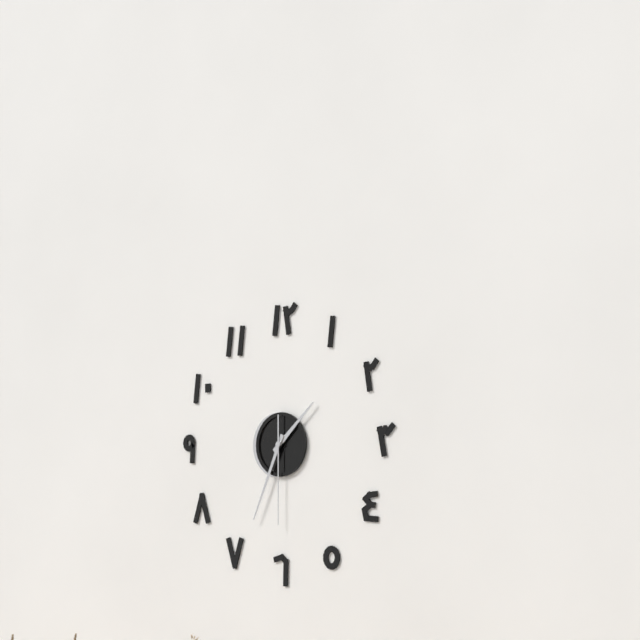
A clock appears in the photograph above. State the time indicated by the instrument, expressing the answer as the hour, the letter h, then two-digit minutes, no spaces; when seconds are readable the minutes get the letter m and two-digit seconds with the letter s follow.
1h34m30s
